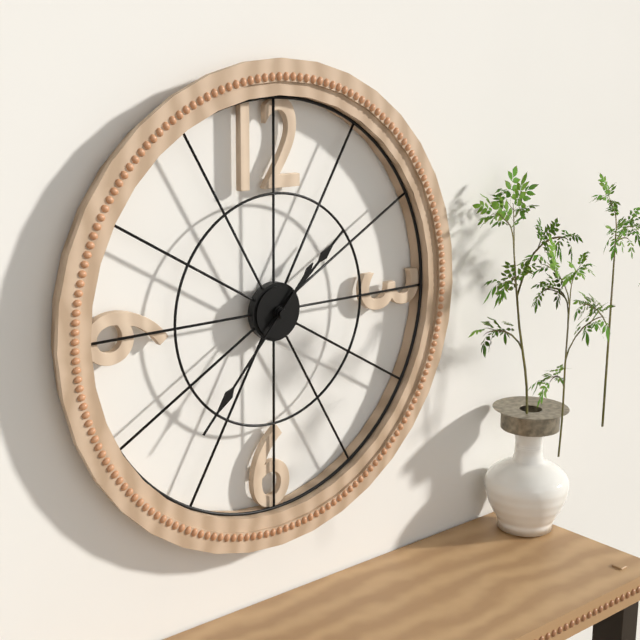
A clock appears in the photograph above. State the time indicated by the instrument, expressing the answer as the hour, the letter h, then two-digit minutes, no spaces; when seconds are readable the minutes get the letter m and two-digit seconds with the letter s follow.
1h37
